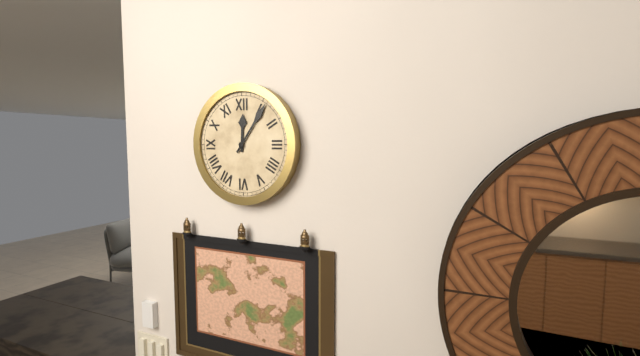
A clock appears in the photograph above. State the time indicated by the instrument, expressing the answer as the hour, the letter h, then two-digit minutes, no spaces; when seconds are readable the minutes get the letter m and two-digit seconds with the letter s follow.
12h06
